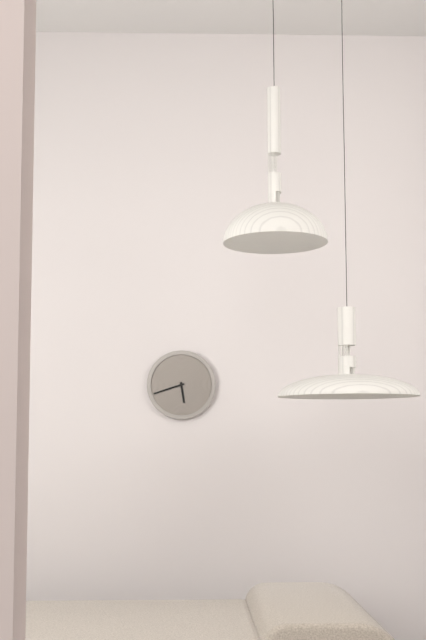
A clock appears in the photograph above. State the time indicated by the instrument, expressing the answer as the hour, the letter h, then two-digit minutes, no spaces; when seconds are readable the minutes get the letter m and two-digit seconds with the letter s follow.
5h42
